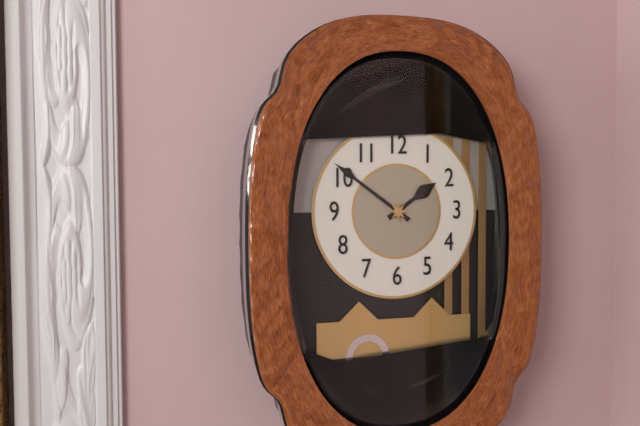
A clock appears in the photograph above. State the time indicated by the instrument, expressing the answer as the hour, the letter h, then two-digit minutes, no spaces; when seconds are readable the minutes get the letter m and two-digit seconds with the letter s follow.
1h51
